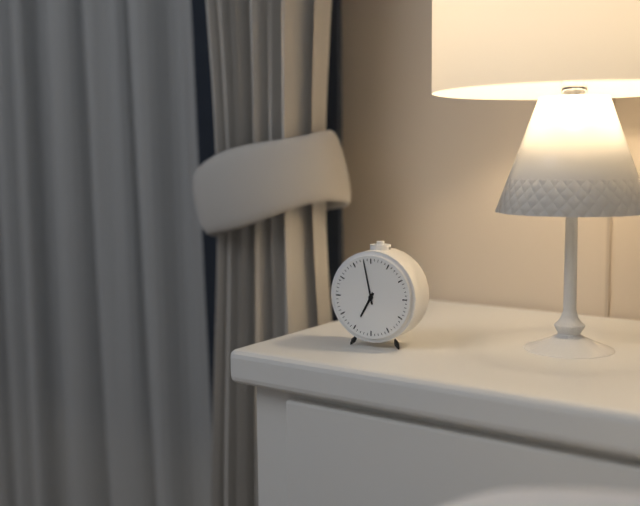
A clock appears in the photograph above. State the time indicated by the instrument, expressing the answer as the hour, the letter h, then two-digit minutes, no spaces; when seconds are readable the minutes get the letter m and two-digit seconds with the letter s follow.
6h58
